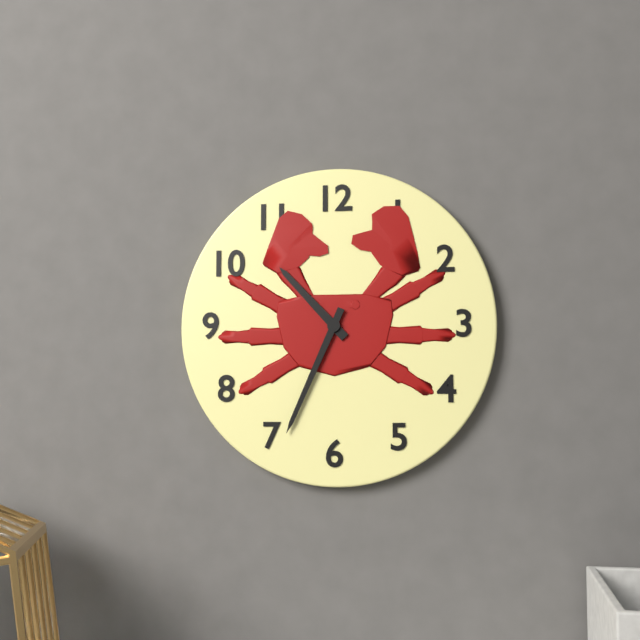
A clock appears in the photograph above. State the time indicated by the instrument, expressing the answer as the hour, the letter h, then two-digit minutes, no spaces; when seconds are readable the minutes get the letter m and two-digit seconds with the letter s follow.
10h34
